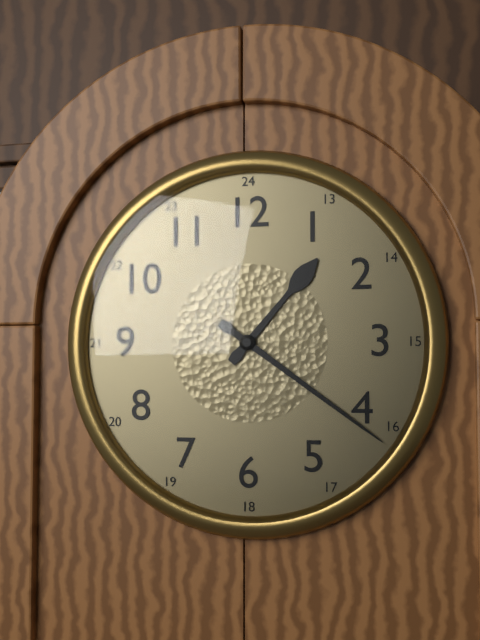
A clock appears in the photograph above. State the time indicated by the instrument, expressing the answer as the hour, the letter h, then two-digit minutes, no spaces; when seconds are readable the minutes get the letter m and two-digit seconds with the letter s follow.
1h21
